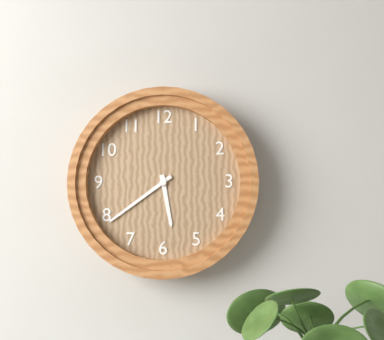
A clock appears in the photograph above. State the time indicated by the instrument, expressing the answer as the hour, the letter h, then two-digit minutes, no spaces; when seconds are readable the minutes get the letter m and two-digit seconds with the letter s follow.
5h39
